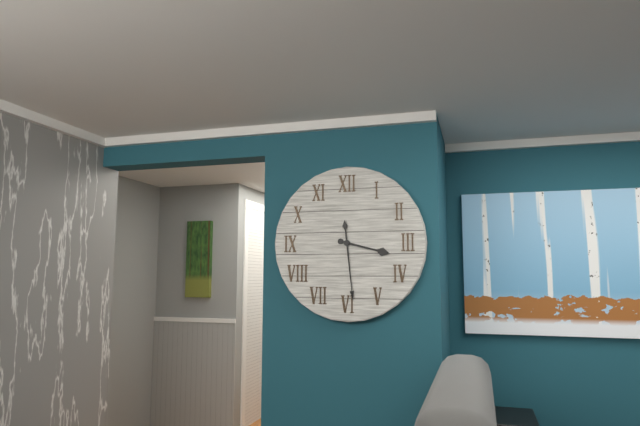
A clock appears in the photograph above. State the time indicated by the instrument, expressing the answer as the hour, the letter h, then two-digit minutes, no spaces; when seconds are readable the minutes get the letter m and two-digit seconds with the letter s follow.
3h29
